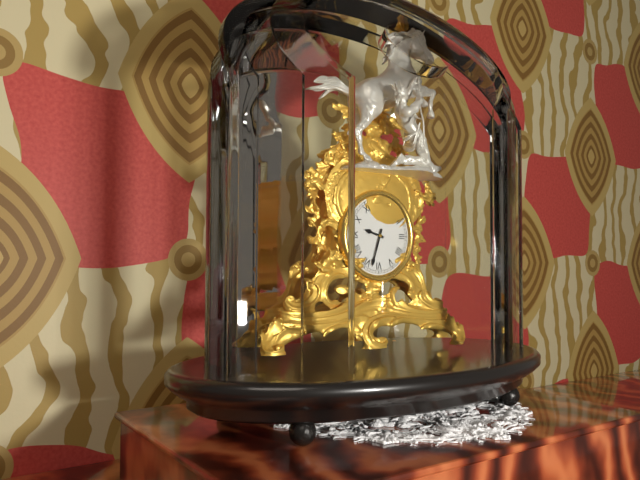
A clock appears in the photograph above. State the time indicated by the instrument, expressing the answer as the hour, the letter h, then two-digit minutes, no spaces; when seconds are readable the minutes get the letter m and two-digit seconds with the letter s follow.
9h33
